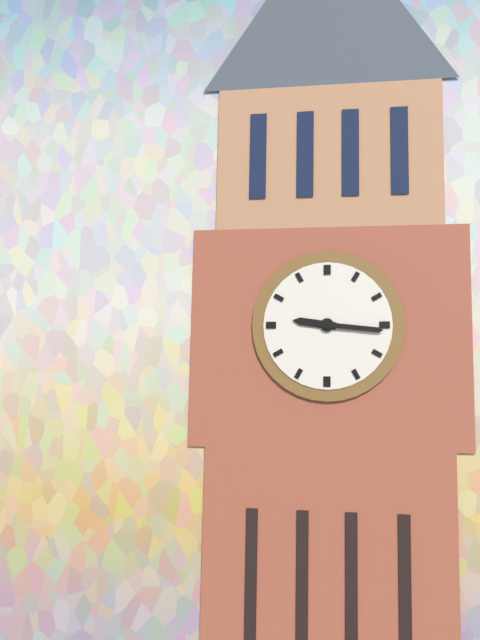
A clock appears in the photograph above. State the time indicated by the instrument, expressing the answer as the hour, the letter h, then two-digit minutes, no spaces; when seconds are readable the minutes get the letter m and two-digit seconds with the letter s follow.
9h16
